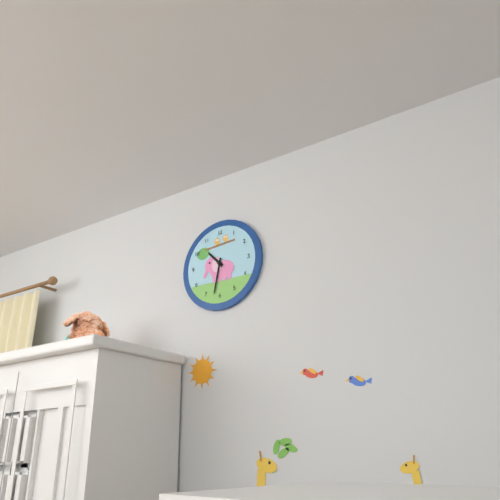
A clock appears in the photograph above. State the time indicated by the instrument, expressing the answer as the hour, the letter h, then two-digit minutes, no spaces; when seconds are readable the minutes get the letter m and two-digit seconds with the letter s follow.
10h32
